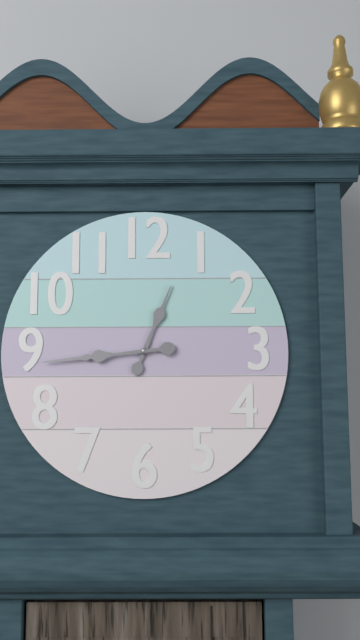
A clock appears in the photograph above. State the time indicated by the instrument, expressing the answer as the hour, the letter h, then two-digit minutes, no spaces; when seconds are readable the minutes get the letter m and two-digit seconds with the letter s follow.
12h44
